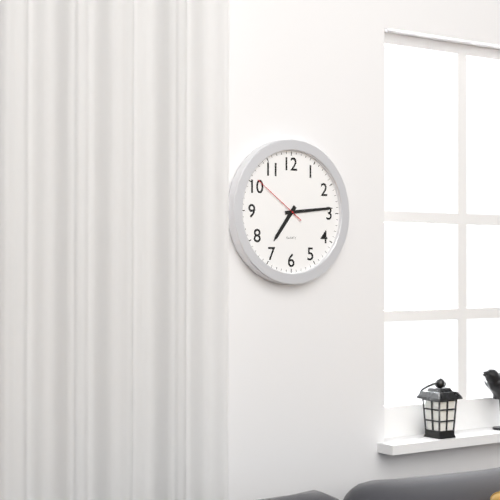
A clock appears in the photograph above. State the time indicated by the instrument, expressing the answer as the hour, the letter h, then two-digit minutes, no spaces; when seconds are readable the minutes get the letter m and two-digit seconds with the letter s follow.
7h14m51s
